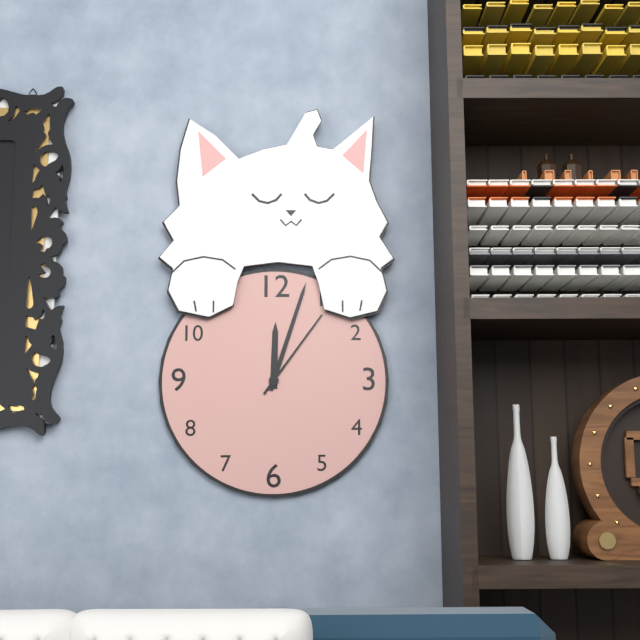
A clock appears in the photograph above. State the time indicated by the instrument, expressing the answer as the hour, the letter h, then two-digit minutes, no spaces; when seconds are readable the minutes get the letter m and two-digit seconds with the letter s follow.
12h03m06s
